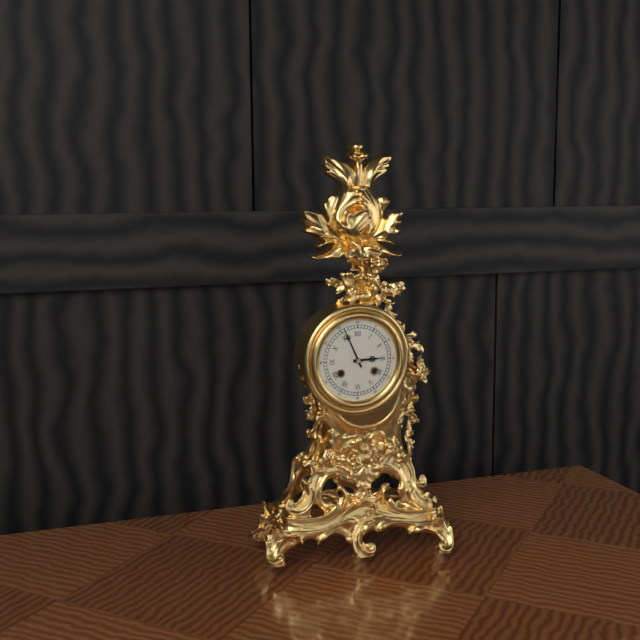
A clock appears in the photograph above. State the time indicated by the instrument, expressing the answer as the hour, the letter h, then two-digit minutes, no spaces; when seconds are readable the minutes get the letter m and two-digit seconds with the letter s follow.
2h56
